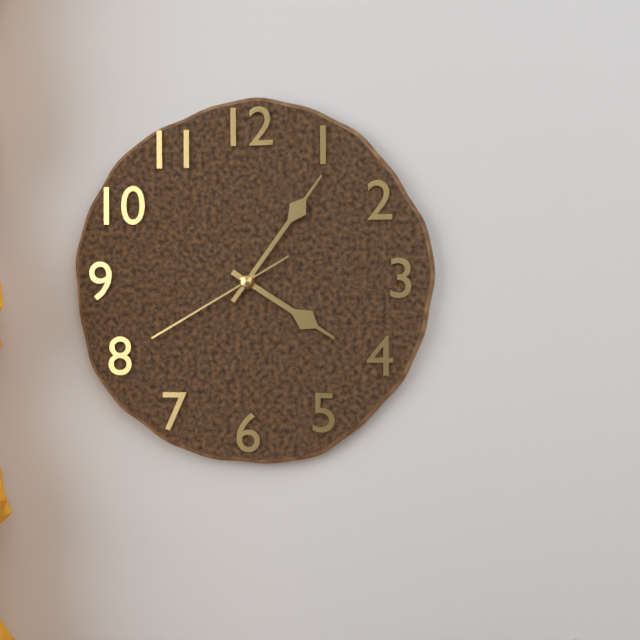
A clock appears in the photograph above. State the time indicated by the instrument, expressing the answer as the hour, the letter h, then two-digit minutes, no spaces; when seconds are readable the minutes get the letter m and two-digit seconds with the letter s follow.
4h06m40s
